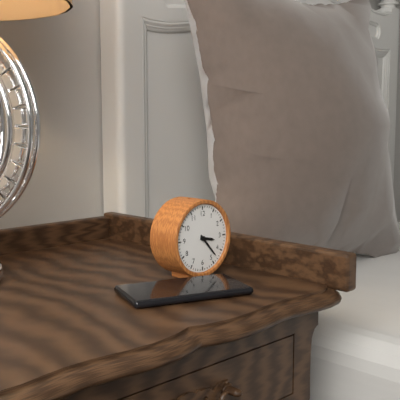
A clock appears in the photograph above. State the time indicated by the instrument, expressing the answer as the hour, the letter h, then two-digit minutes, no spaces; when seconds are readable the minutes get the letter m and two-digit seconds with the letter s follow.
3h23
